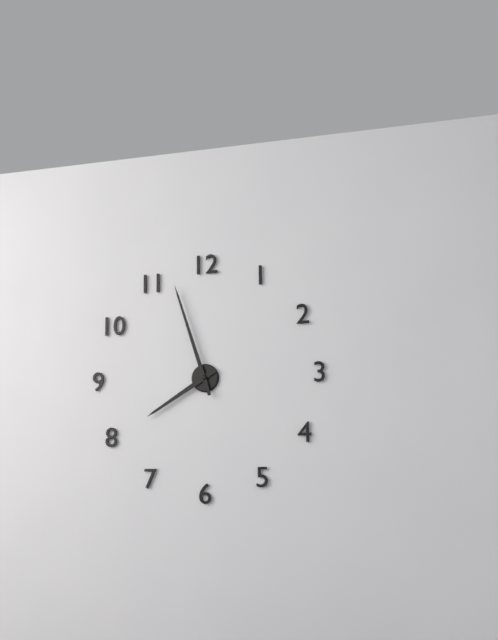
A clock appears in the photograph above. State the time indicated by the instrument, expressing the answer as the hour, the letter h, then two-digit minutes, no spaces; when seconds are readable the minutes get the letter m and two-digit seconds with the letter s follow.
7h57
